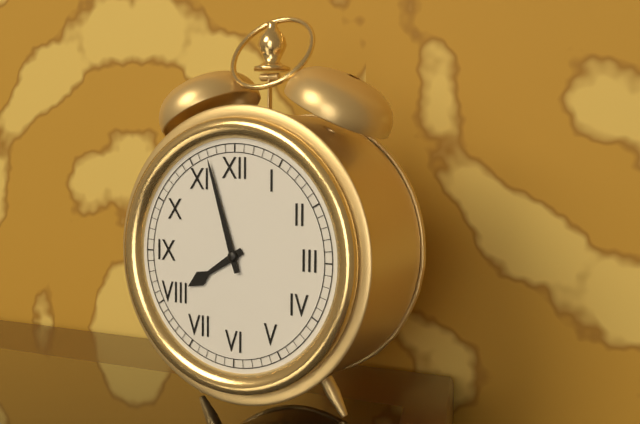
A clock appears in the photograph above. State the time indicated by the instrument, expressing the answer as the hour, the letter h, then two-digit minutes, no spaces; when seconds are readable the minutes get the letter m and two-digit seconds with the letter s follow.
7h57
